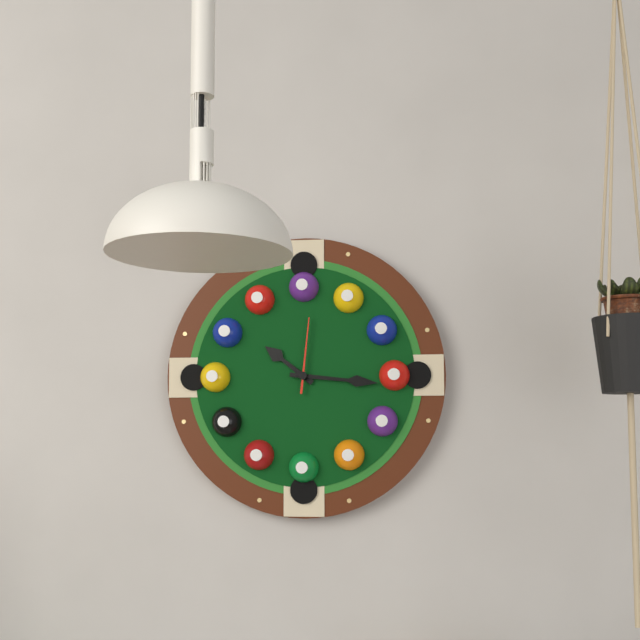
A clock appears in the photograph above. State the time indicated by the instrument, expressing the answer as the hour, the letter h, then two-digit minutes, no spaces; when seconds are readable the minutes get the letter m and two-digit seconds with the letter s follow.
10h16m01s
